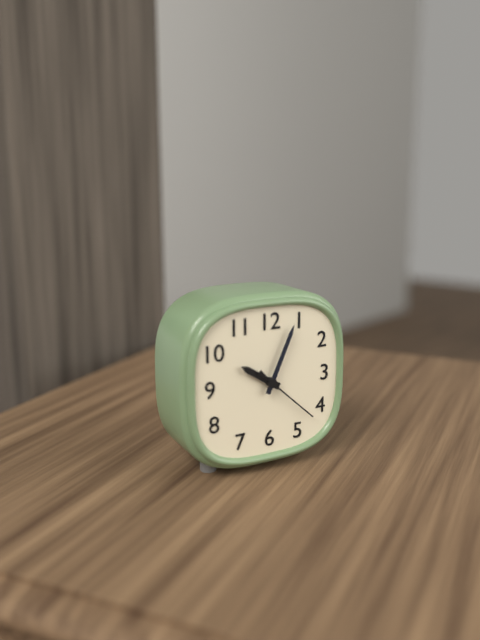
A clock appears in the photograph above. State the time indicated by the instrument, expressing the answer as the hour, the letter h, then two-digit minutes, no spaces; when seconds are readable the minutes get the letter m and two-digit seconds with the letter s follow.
10h04m22s
